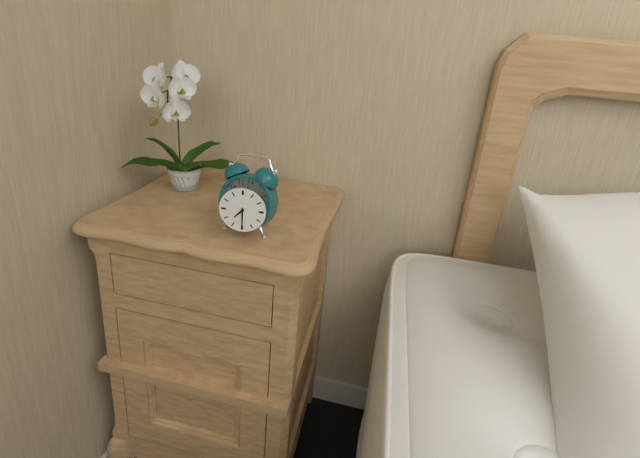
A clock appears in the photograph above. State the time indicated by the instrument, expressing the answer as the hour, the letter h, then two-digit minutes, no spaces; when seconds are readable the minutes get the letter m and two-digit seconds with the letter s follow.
7h30
